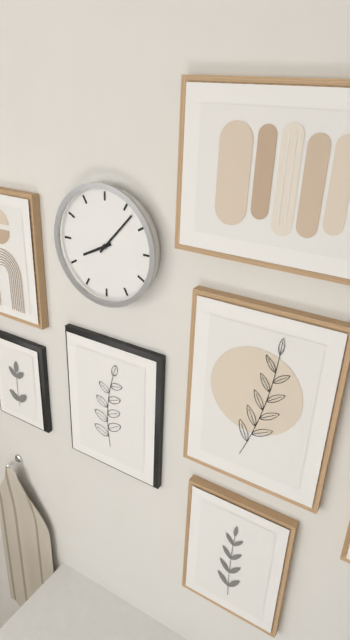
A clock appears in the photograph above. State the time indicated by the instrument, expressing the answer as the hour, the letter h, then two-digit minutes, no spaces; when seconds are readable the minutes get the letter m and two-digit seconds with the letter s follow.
8h07
